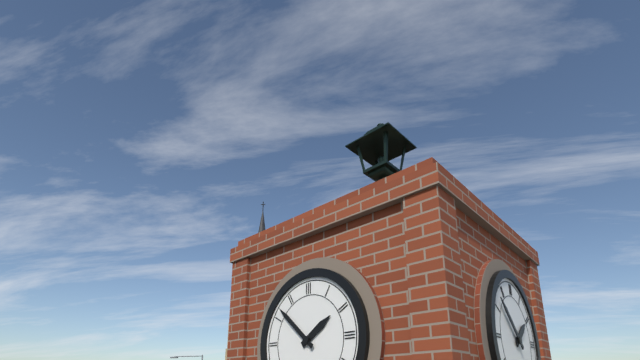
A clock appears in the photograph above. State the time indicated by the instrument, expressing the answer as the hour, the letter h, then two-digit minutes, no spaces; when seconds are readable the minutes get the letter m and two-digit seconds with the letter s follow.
1h52
